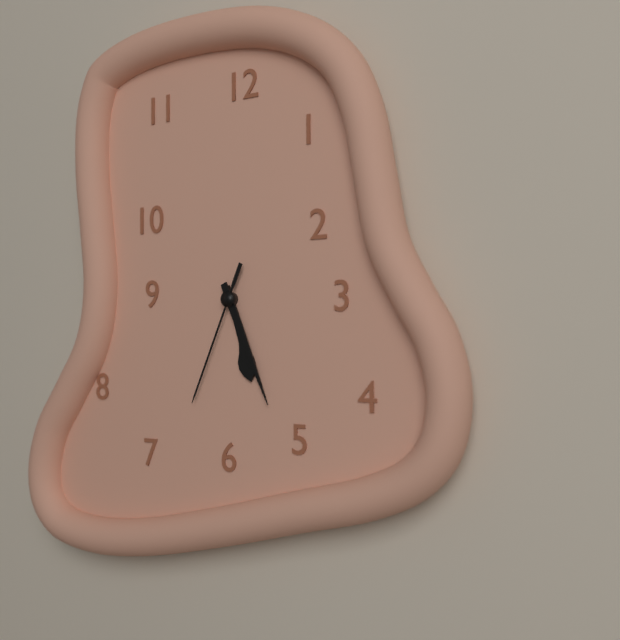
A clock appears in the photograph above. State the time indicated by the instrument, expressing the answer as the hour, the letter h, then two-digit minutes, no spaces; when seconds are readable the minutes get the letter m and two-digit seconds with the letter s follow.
5h26m34s
